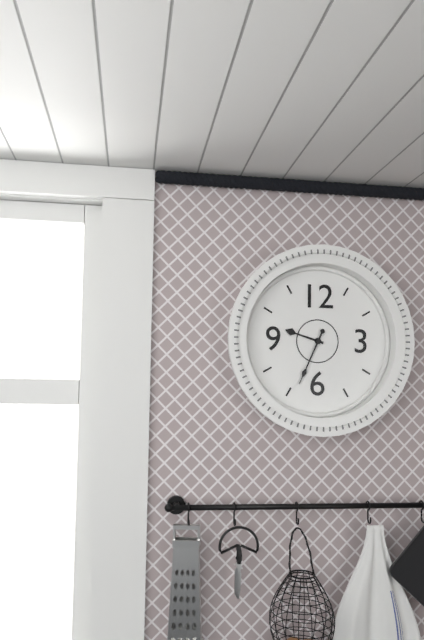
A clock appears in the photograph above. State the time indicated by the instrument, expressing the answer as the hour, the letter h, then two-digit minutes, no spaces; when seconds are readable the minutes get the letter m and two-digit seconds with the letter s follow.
9h34
